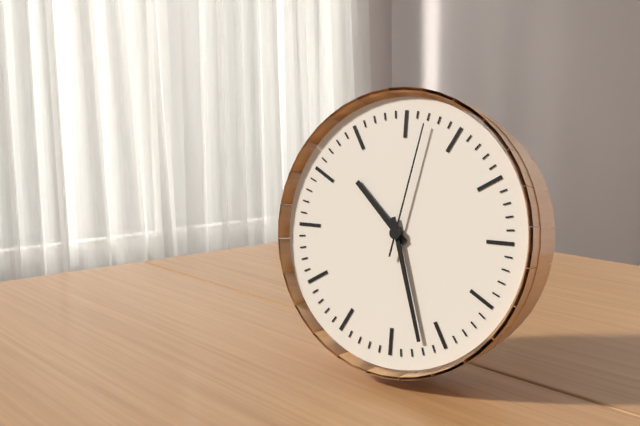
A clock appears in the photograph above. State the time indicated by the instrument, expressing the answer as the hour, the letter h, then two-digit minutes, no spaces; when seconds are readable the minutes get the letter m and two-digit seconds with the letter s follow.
10h27m02s
